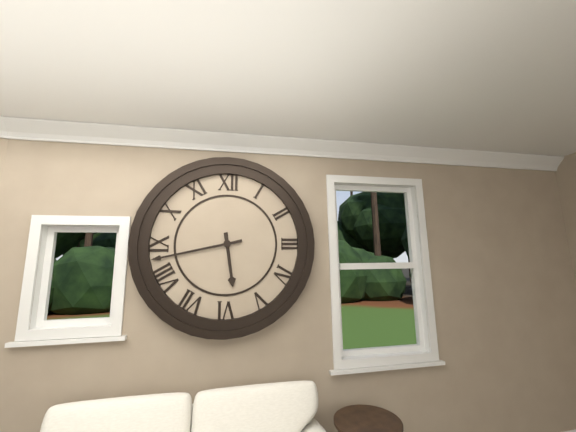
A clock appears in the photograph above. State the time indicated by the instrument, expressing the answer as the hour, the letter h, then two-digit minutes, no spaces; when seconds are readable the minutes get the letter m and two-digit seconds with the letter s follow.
5h43
